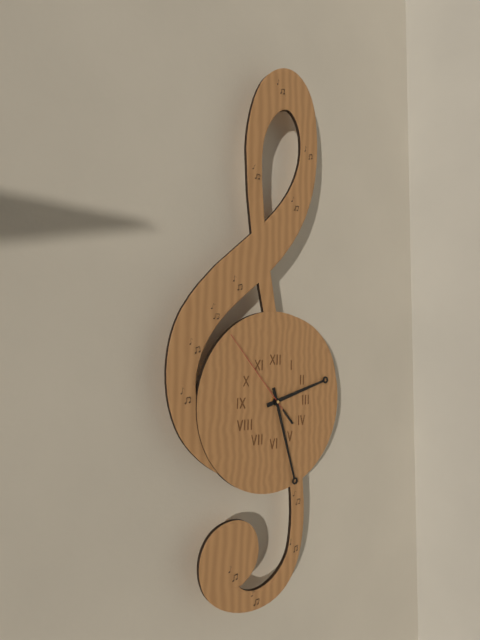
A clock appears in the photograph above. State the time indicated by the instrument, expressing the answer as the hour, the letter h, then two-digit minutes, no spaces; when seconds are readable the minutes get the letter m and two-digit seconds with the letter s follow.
2h27m53s
